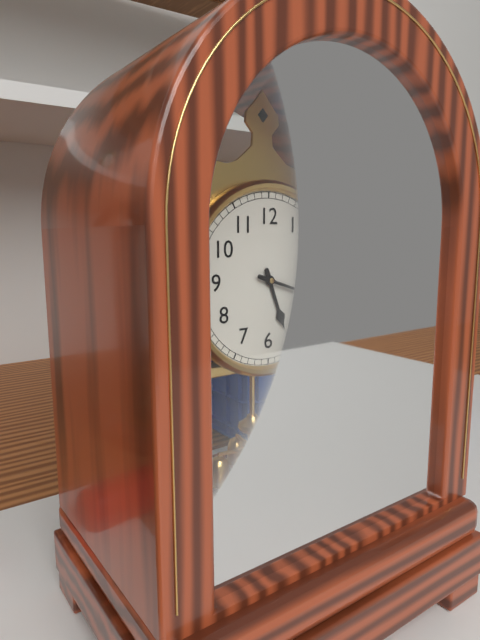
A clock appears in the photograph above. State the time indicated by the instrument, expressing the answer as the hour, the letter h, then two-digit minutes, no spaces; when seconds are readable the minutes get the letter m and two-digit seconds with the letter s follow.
5h18
